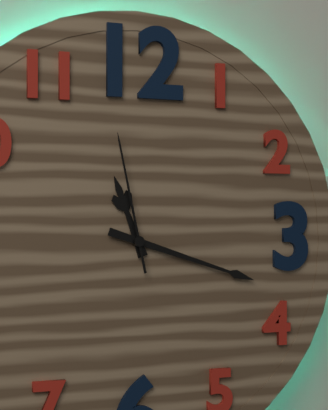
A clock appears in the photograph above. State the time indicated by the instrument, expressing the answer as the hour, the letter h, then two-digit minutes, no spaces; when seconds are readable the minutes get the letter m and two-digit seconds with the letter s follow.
11h18m58s
